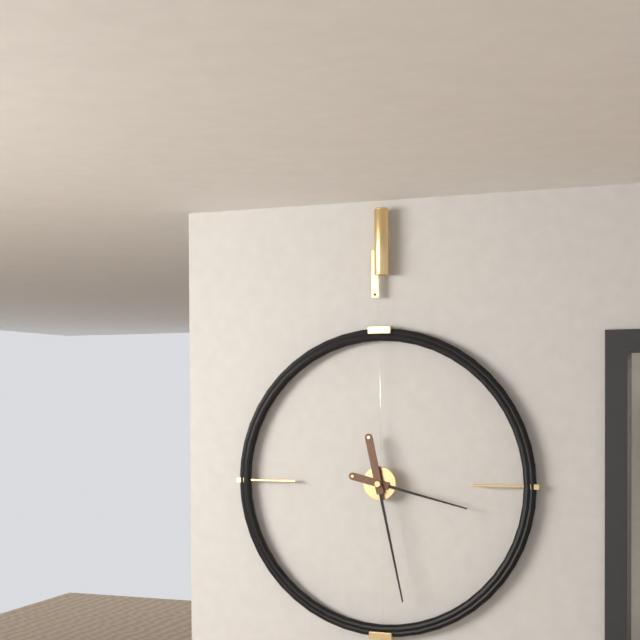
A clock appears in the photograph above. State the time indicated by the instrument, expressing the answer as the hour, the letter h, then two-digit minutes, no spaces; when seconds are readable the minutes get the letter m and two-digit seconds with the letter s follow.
3h28
